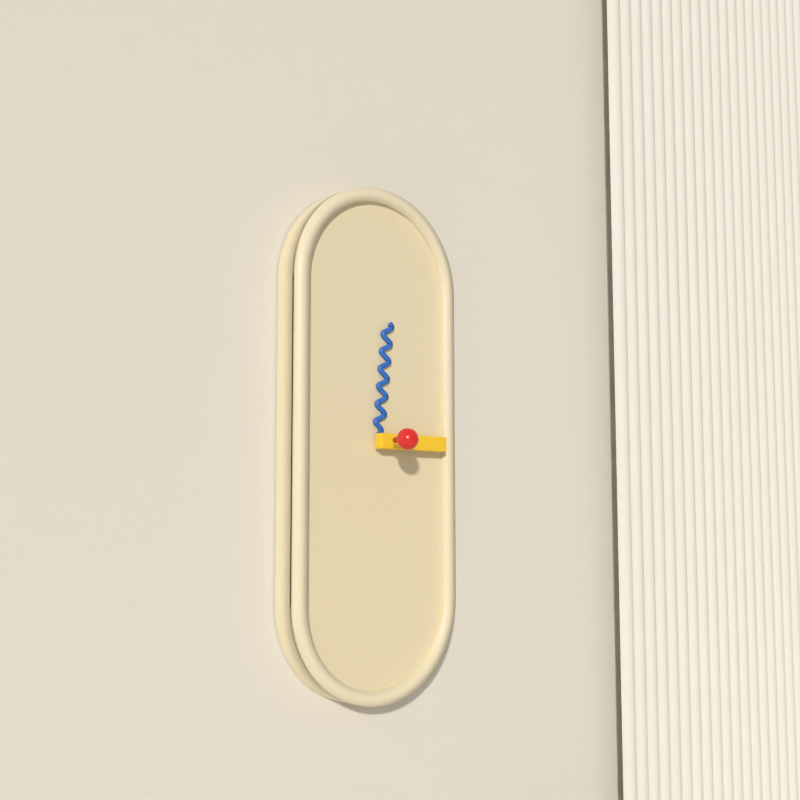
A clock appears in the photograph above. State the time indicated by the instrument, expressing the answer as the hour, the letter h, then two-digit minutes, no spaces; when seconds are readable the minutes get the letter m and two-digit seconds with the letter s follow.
3h01
